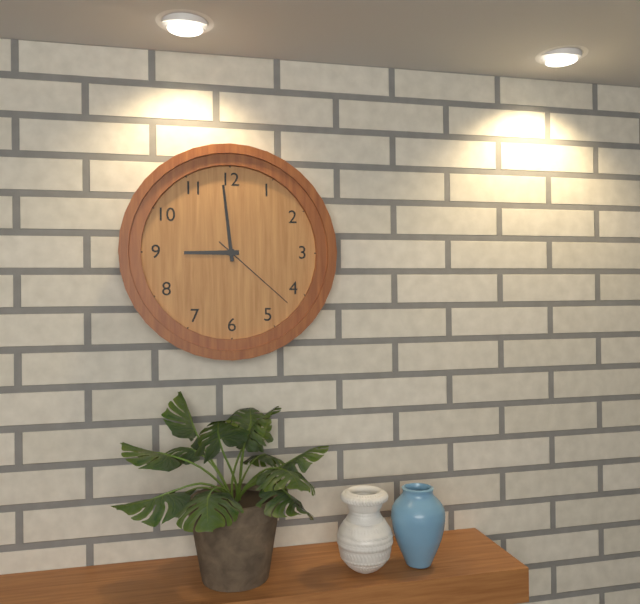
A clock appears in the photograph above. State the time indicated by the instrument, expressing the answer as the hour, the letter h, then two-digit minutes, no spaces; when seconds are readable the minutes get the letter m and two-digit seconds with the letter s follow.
8h59m22s
